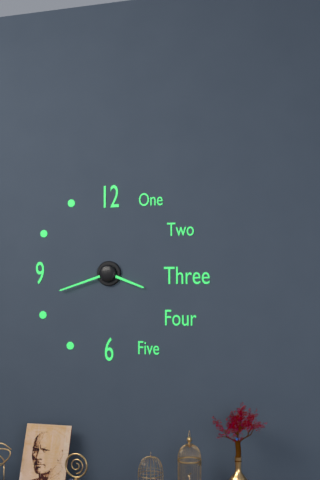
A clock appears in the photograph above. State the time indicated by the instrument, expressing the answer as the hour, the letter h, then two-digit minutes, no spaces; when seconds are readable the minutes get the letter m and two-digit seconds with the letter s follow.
3h42
